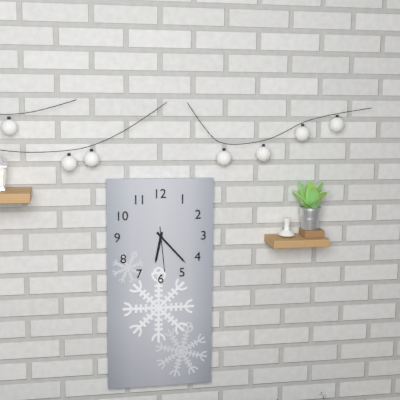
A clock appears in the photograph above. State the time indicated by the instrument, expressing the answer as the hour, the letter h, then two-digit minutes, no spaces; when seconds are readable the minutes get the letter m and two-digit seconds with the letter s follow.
6h23
